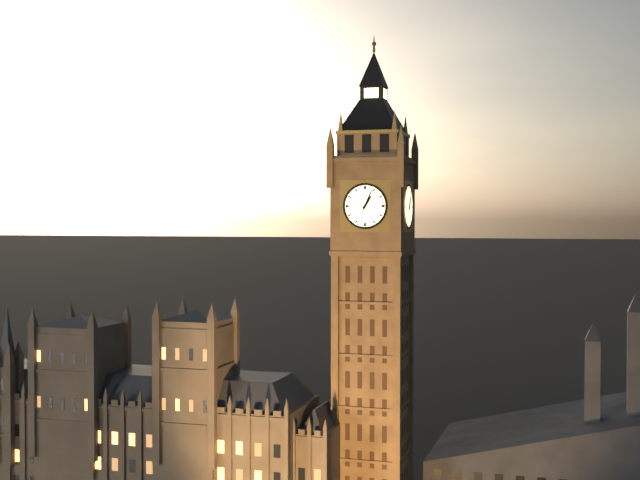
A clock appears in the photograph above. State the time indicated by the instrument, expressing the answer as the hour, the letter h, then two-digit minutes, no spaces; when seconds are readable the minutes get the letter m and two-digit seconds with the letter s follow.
1h04
